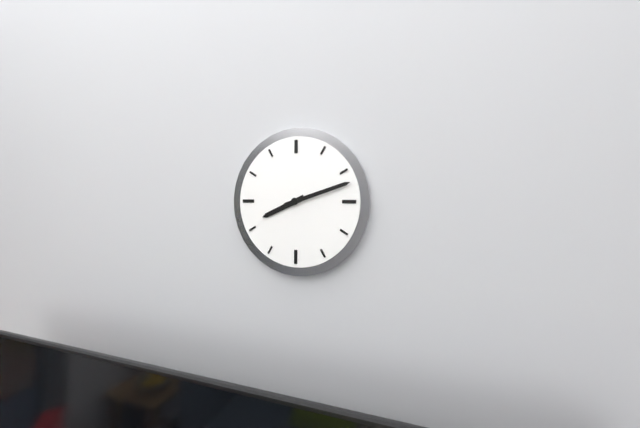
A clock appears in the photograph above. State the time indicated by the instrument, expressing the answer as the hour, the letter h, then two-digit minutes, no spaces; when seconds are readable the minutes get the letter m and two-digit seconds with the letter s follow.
8h12
